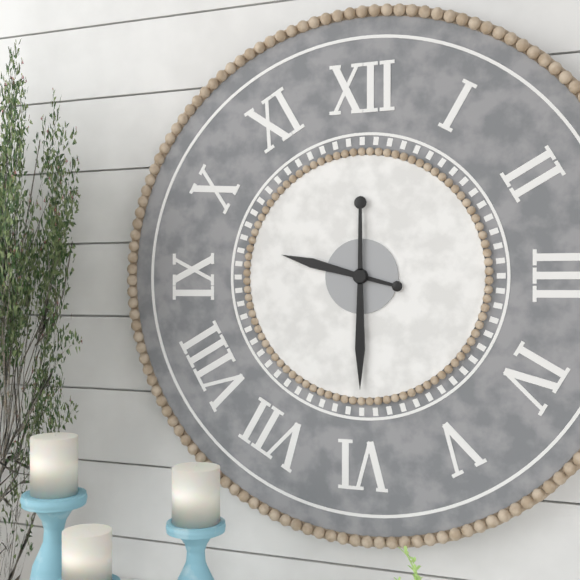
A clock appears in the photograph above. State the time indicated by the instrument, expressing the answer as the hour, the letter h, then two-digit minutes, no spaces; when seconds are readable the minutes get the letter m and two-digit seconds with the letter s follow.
9h30
